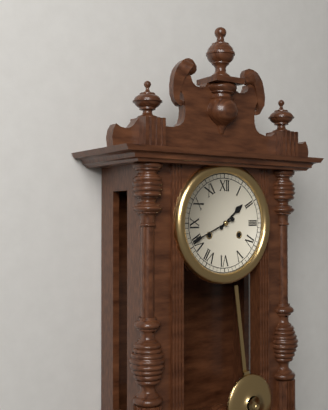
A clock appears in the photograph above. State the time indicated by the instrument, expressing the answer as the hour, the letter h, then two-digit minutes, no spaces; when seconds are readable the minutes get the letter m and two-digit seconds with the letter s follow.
1h41
